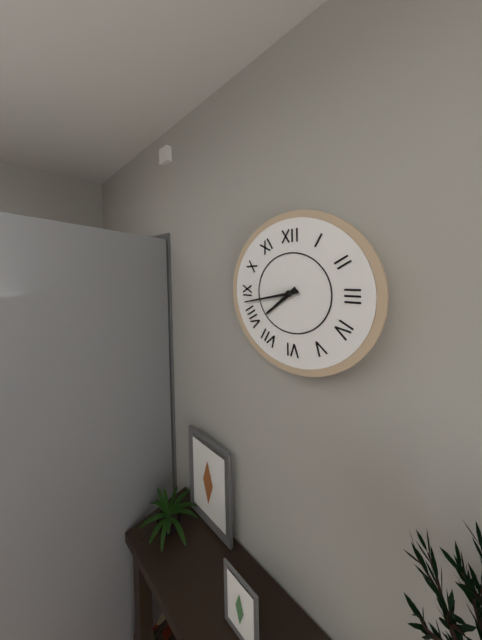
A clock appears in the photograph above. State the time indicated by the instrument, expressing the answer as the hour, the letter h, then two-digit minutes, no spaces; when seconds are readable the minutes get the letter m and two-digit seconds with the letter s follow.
7h43
